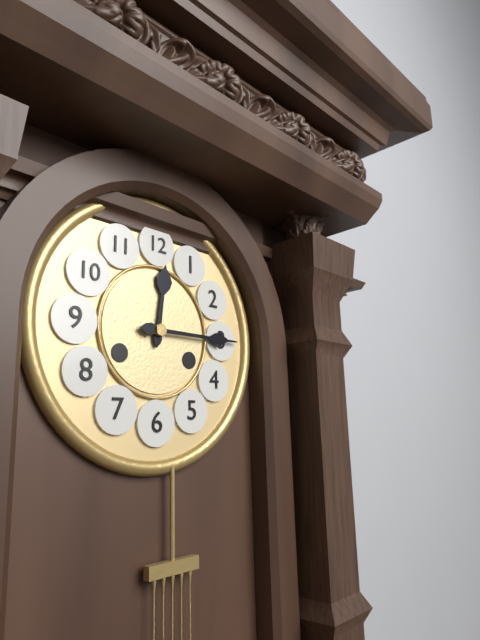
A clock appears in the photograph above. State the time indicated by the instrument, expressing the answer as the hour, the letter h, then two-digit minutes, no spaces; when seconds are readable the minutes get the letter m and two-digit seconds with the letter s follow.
12h15
